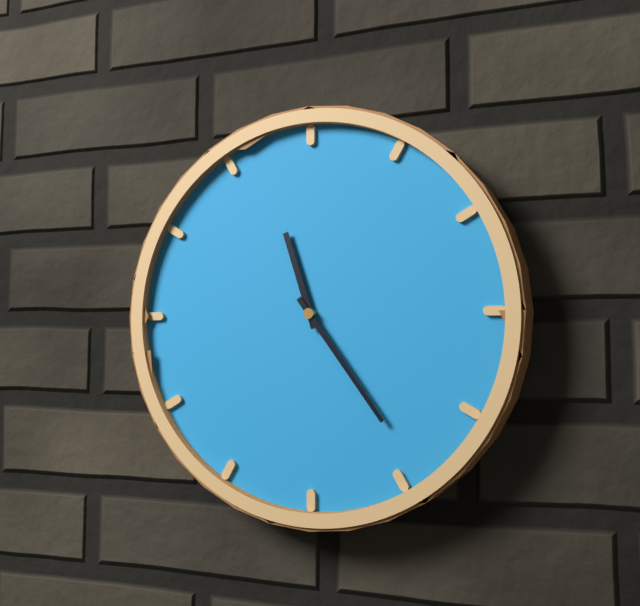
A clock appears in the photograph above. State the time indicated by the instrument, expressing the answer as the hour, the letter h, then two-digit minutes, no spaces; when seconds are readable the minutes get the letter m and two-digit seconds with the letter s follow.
11h24
